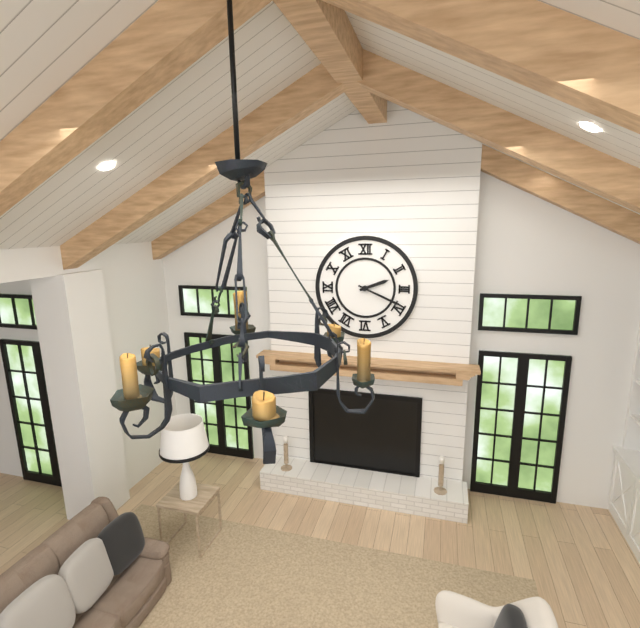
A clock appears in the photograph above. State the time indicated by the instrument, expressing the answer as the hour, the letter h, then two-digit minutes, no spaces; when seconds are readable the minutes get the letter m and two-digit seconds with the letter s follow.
2h19
